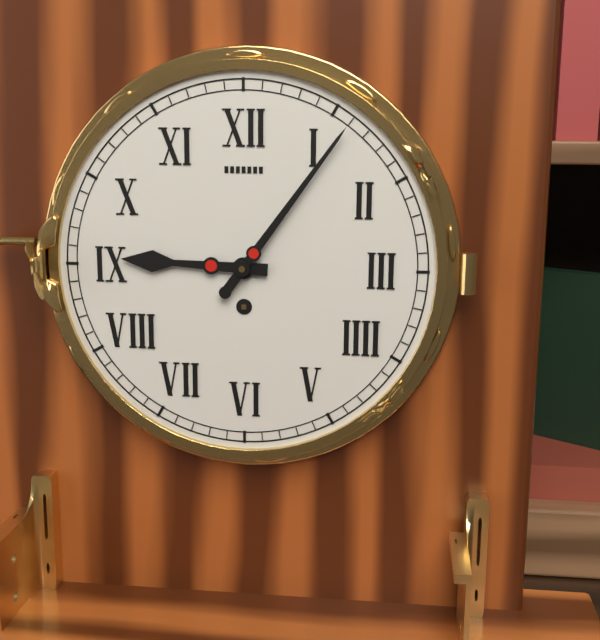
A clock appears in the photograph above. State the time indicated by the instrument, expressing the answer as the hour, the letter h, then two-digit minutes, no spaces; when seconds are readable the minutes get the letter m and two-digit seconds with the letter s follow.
9h06
